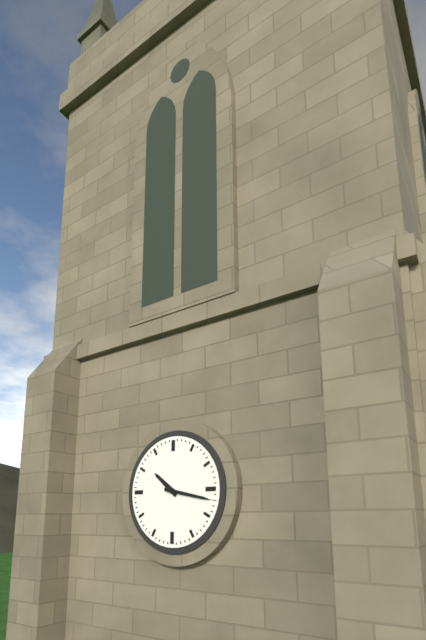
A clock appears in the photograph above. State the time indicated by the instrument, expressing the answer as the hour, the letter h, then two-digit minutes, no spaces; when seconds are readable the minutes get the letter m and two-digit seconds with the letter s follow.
10h17
